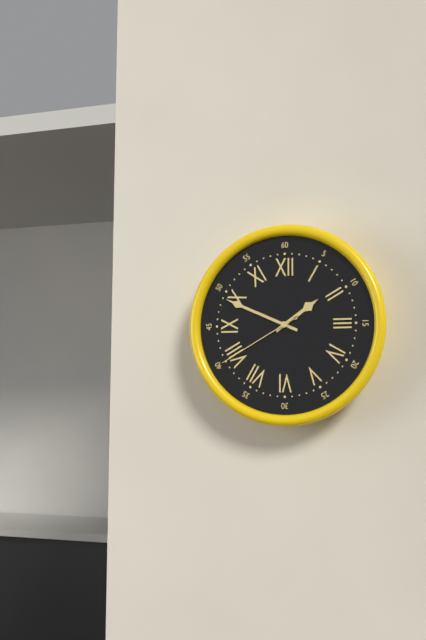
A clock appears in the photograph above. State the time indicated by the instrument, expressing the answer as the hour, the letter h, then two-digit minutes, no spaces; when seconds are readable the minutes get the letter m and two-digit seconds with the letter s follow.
1h49m40s
